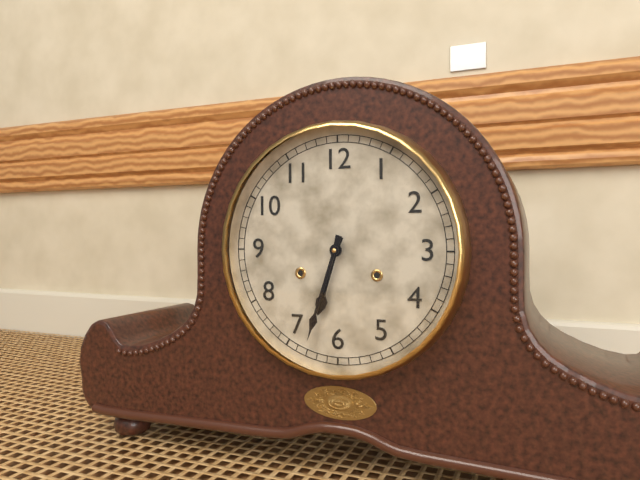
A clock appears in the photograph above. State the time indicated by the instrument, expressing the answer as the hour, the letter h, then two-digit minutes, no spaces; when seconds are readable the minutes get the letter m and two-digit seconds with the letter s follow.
6h33
